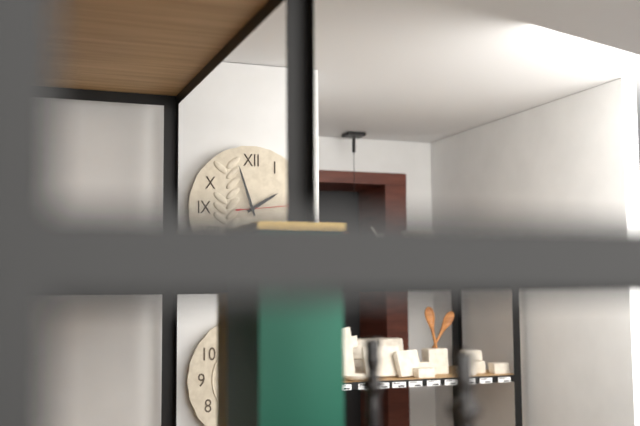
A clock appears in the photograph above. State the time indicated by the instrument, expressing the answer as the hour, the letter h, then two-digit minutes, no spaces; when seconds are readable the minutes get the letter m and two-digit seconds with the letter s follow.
1h57m14s
